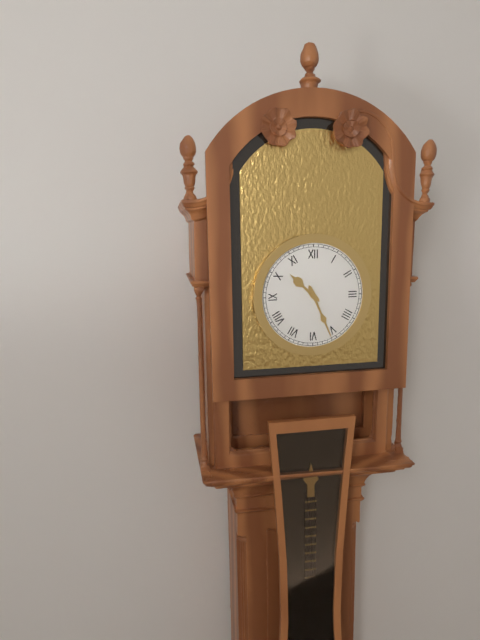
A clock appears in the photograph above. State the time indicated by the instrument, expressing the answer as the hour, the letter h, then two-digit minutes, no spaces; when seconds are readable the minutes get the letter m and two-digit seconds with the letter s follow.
10h26
